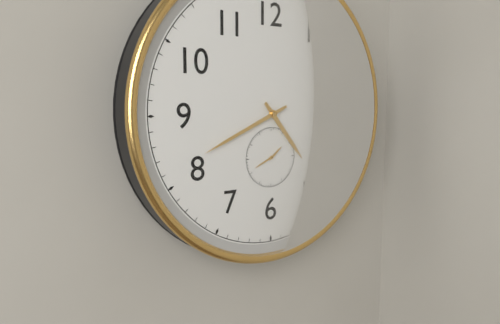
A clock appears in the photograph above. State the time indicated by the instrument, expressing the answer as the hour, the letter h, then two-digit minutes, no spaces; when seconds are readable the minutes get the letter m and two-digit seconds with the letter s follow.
4h41
